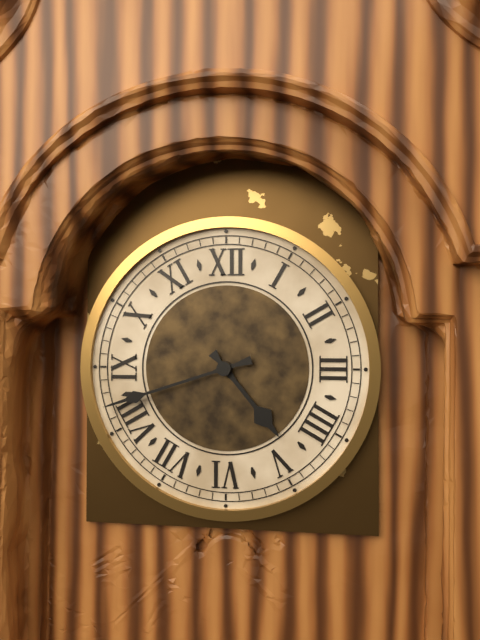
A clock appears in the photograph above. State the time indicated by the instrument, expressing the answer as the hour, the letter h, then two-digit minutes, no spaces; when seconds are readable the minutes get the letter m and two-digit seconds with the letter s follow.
4h42
